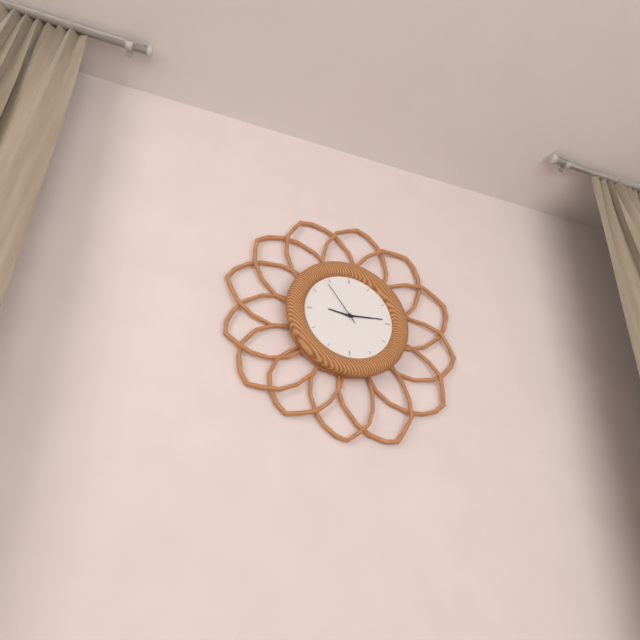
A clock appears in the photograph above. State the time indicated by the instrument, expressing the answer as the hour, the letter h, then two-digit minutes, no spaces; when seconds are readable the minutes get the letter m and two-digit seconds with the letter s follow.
9h14m54s
